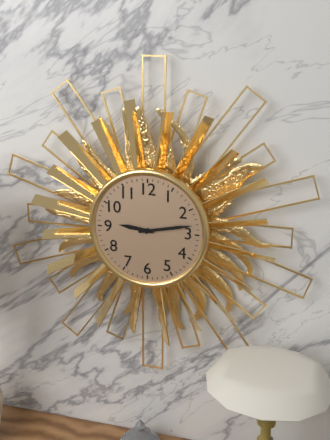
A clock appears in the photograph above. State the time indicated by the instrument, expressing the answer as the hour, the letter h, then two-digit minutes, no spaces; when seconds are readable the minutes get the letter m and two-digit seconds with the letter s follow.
9h13
